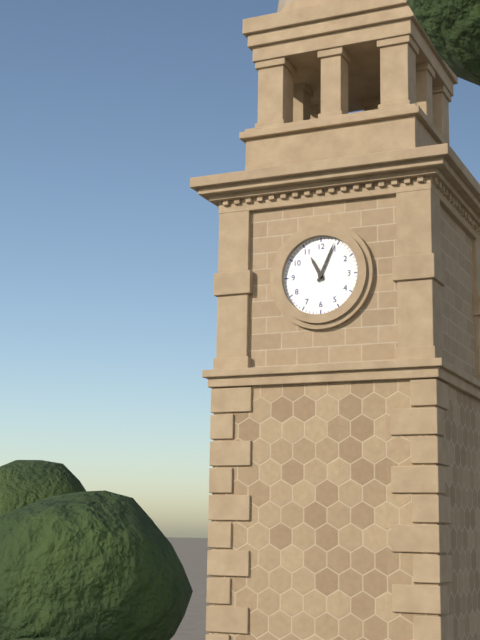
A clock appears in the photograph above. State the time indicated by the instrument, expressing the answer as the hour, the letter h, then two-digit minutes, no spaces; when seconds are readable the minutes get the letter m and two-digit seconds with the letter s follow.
11h04
